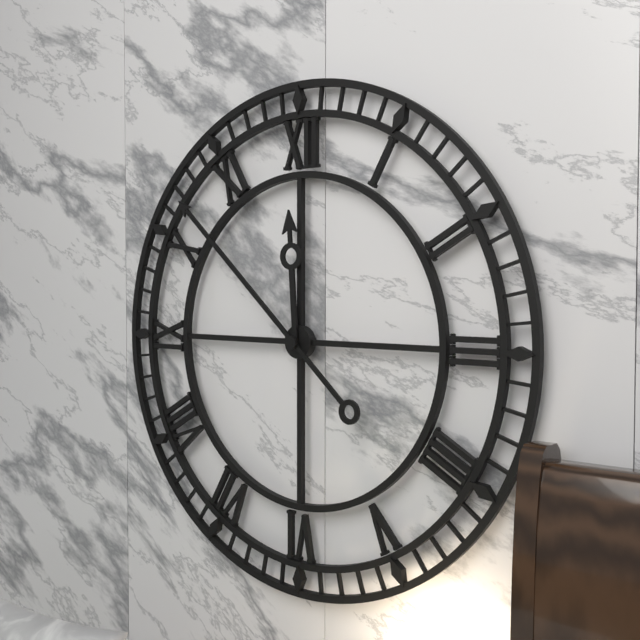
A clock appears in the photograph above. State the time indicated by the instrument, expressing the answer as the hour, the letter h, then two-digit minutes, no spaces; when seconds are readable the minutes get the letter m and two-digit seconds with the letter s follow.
11h52
